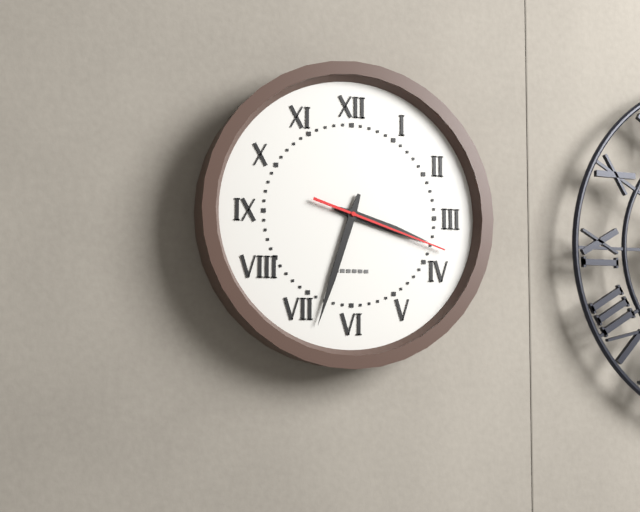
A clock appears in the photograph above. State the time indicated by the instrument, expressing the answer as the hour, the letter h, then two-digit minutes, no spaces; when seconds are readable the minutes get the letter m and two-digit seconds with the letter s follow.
3h33m18s
